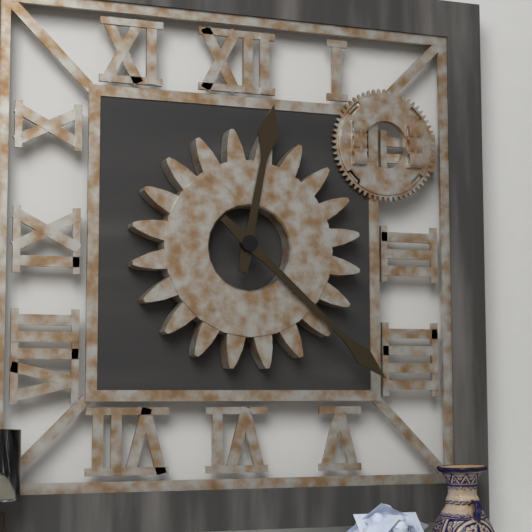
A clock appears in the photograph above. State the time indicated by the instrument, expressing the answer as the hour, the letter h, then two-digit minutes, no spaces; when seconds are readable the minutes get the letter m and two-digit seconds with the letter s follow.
12h22
